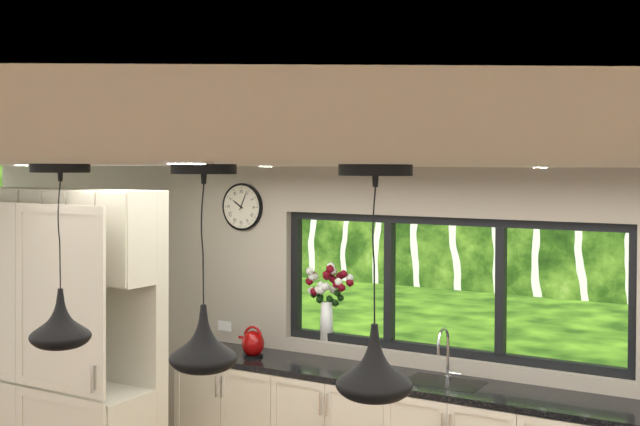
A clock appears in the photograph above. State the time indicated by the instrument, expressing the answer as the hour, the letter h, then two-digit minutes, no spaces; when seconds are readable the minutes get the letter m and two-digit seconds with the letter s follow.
10h04
